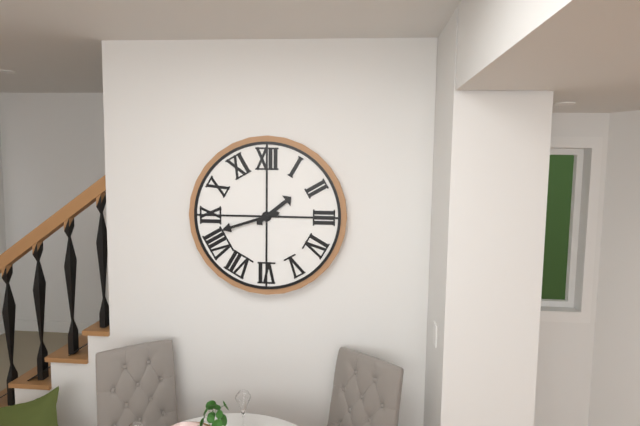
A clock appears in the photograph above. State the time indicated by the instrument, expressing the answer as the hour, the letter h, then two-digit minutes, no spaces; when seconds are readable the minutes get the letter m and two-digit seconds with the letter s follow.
1h42
